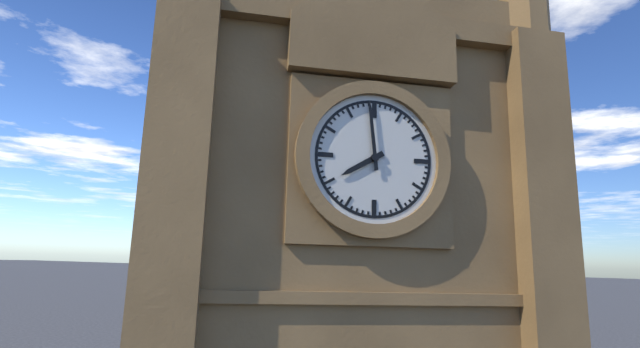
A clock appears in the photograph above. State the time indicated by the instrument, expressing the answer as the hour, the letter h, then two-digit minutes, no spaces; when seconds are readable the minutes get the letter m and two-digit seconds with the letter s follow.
7h59
